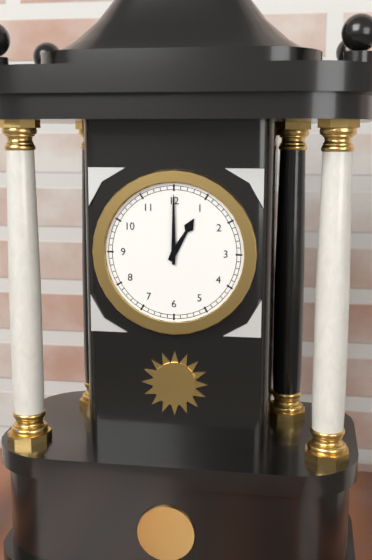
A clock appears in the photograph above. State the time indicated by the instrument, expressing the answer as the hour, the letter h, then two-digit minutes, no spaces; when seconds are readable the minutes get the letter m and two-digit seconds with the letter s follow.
1h00
